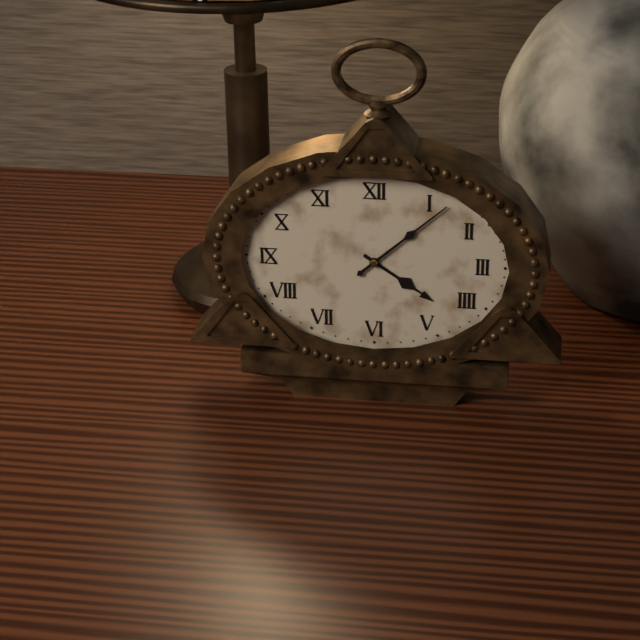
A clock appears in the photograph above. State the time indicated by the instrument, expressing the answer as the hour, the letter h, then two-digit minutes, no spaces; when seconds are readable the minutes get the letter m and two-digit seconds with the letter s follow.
4h08
